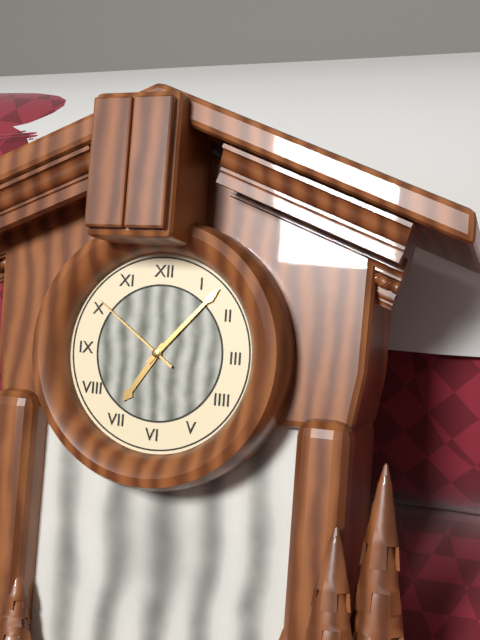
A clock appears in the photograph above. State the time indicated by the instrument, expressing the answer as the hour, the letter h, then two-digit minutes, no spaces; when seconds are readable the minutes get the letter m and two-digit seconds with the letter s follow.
7h07m51s
